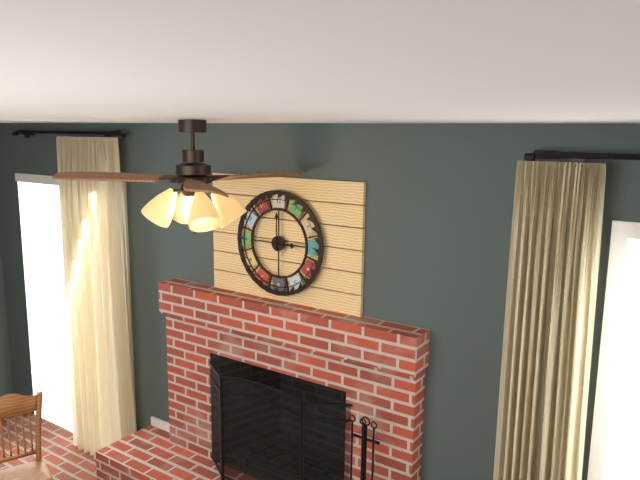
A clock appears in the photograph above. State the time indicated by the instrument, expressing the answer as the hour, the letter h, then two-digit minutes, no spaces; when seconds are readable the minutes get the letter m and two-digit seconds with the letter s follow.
3h00
